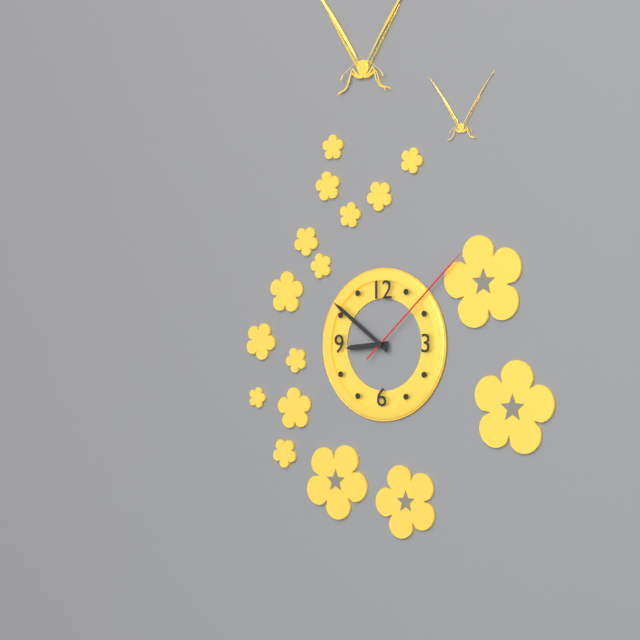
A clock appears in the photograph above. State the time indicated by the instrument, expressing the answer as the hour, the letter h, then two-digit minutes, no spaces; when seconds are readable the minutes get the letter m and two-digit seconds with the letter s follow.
8h51m08s
